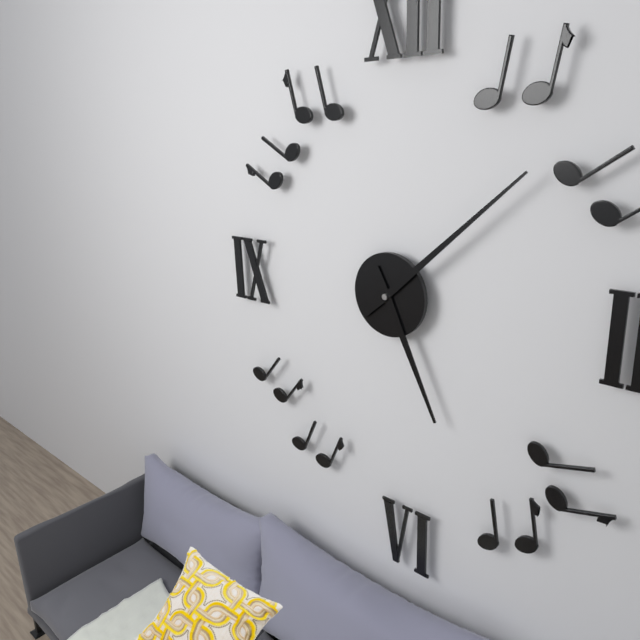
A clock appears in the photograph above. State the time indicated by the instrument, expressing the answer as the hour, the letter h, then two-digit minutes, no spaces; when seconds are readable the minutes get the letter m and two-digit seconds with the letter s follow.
5h08
